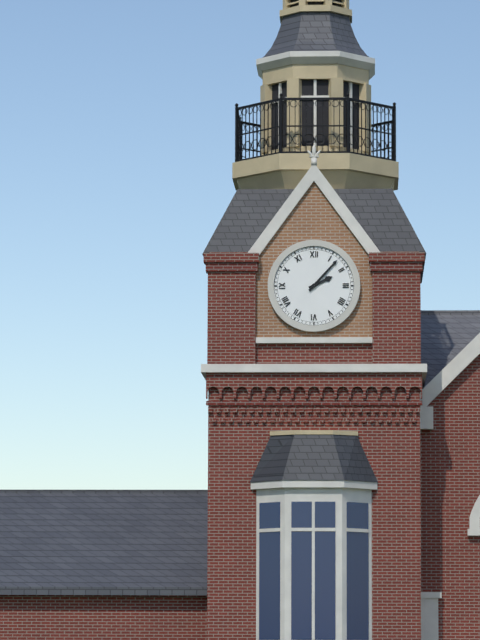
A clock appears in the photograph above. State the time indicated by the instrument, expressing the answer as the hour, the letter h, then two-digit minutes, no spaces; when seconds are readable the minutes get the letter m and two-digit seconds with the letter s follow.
2h07
